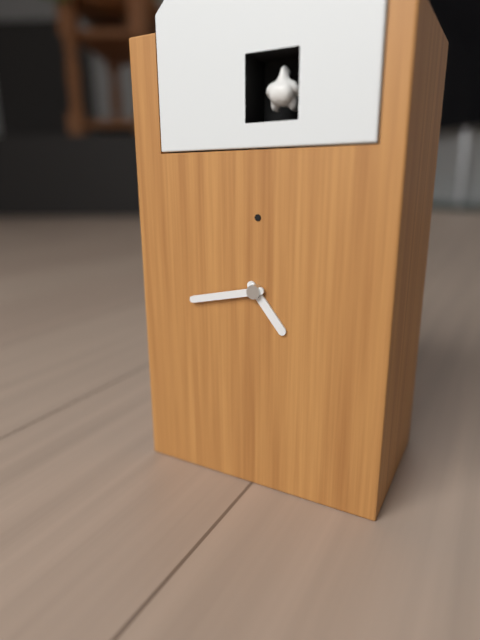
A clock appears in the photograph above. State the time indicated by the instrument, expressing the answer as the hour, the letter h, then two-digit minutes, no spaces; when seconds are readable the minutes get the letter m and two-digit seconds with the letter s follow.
4h43
